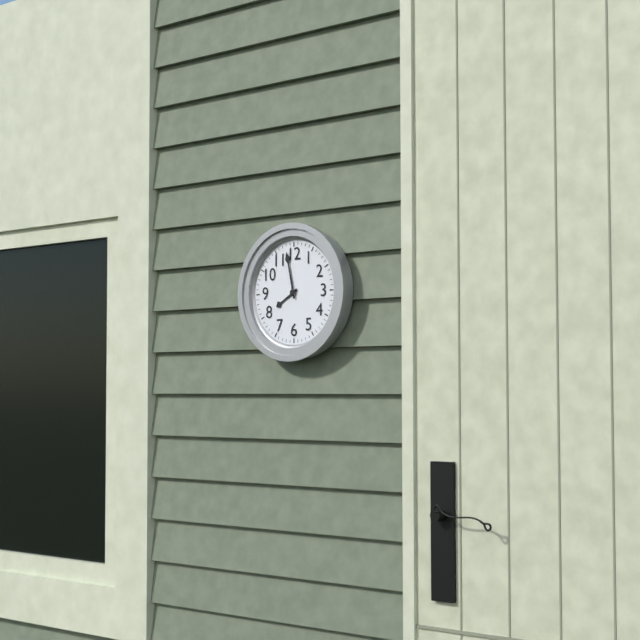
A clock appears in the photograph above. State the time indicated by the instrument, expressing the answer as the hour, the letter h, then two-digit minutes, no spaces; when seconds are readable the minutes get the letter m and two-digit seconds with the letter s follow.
7h58
